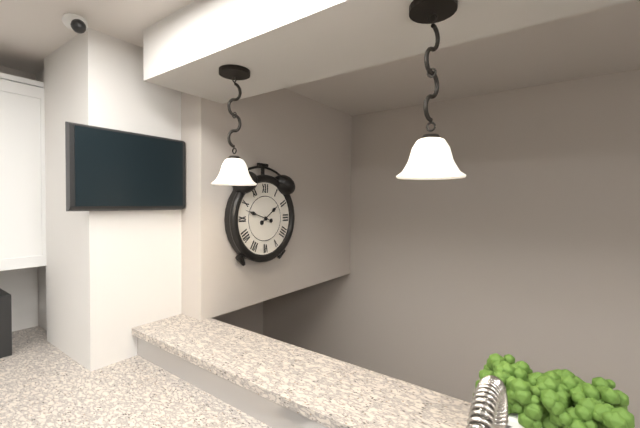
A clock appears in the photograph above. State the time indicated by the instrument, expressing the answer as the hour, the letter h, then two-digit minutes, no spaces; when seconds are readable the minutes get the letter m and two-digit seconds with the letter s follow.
1h48
